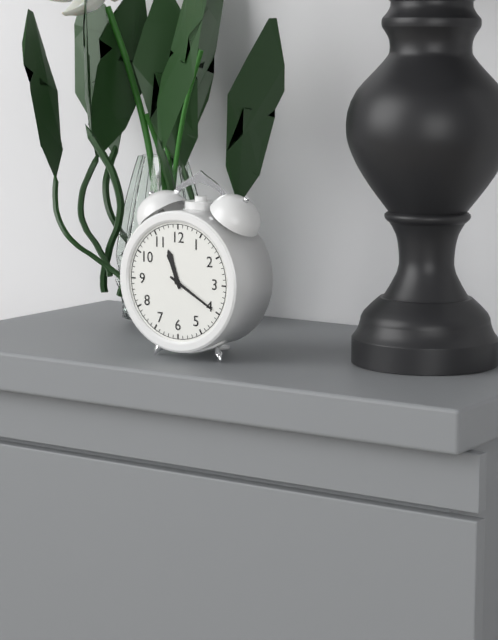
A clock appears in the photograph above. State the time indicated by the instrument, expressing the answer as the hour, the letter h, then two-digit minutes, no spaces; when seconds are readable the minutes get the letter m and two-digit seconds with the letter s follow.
11h20
